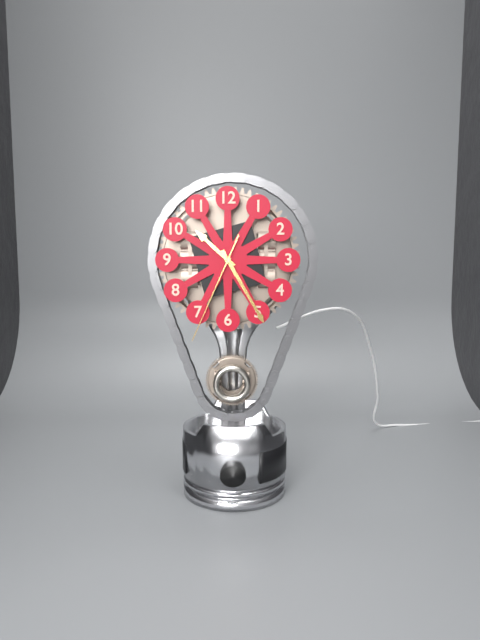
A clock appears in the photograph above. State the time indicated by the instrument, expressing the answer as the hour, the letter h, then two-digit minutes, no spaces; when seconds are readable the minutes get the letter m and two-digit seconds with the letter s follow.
10h25m34s
